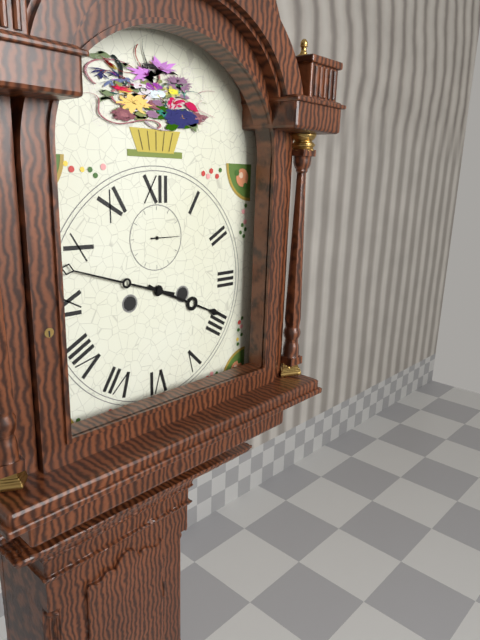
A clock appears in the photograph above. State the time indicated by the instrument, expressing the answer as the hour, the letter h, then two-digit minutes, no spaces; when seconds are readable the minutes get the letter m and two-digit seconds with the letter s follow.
3h48
